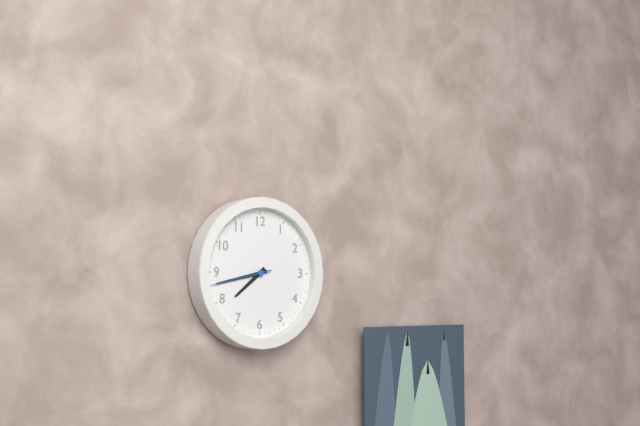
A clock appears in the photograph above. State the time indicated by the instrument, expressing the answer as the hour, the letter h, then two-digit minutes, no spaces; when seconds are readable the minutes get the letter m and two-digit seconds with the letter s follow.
7h43m43s
